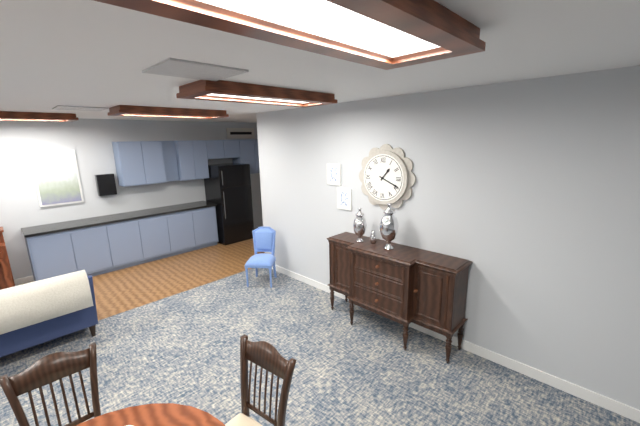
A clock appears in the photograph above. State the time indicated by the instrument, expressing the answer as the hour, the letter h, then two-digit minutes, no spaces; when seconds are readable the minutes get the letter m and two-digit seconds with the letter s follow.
1h19
